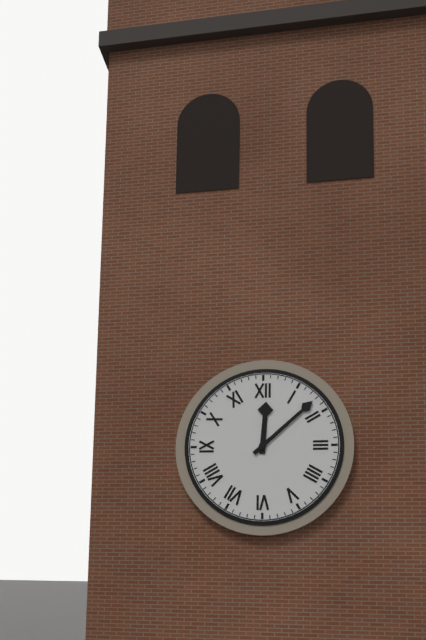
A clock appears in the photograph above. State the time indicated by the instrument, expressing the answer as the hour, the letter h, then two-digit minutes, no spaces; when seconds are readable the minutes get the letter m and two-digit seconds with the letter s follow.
12h08
